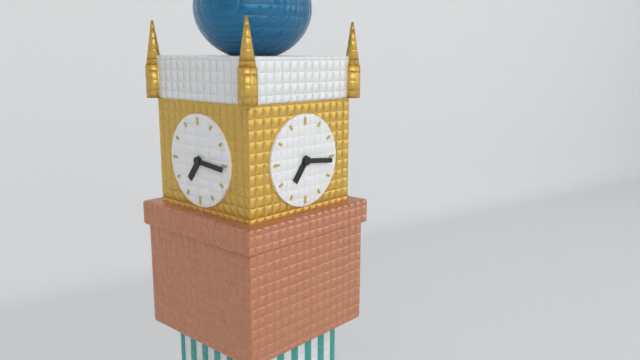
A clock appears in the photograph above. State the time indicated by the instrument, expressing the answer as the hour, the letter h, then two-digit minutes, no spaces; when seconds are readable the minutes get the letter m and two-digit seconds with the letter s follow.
7h16
